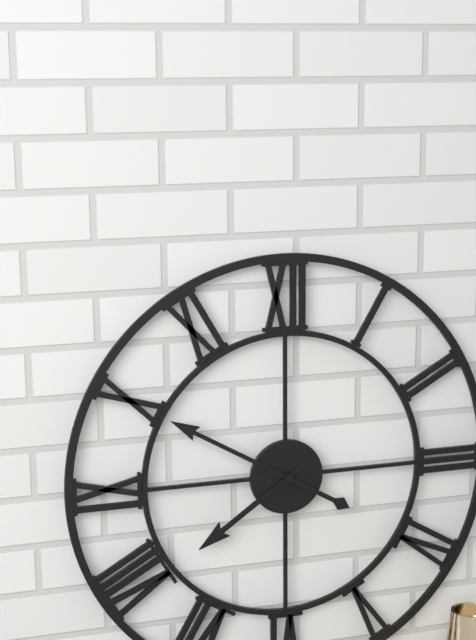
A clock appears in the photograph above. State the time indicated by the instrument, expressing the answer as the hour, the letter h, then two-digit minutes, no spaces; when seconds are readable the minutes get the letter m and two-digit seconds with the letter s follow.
7h50
